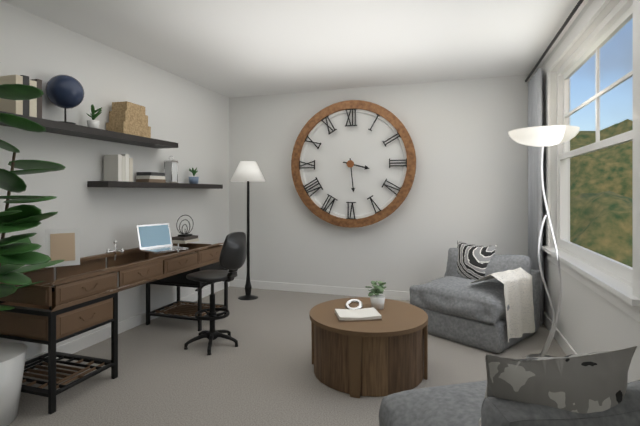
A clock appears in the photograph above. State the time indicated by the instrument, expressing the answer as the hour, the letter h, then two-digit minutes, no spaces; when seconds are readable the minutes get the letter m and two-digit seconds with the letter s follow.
3h29
